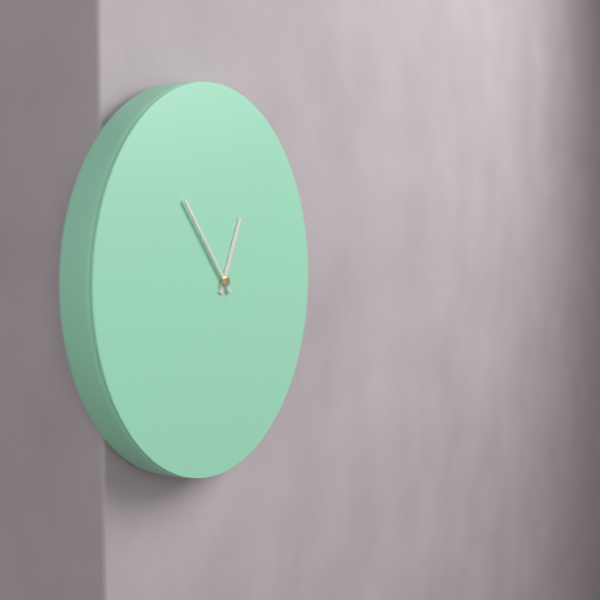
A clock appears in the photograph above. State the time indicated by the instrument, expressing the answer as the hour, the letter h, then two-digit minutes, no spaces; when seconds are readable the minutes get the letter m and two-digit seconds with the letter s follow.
12h53
